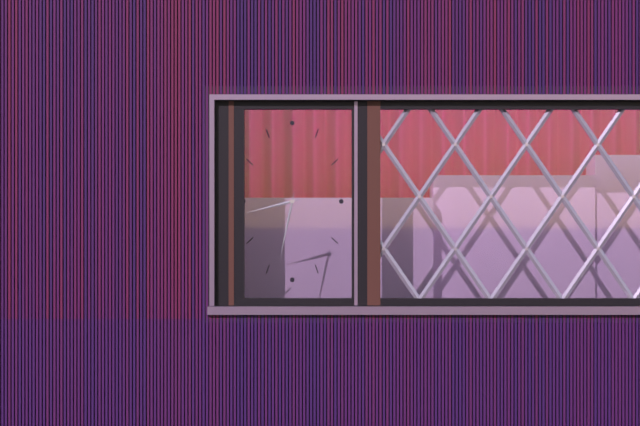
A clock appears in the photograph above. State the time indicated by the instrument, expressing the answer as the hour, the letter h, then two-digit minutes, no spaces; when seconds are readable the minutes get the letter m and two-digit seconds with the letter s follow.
8h32
